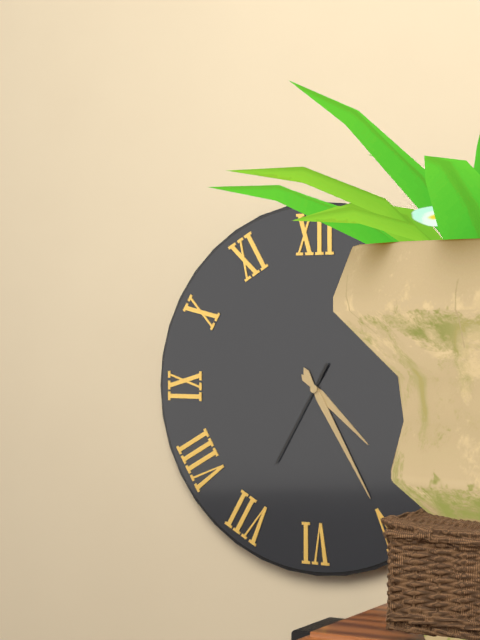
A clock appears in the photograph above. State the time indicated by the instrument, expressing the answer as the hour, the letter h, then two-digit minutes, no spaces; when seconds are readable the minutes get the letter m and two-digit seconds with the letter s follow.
4h25m35s
